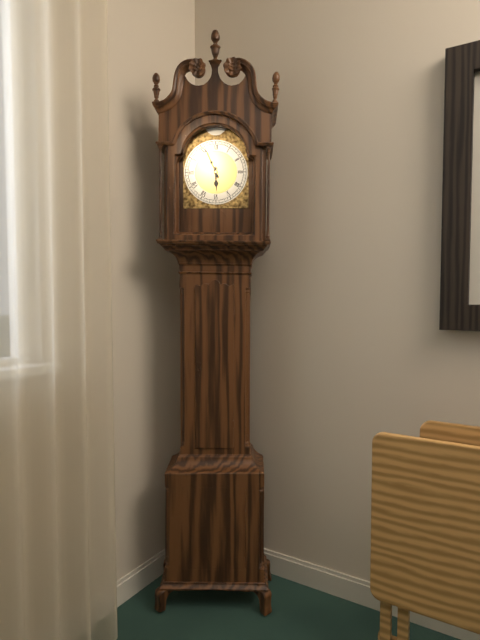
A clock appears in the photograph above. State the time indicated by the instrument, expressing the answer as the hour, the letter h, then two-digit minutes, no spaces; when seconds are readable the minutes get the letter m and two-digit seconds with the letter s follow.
5h56
